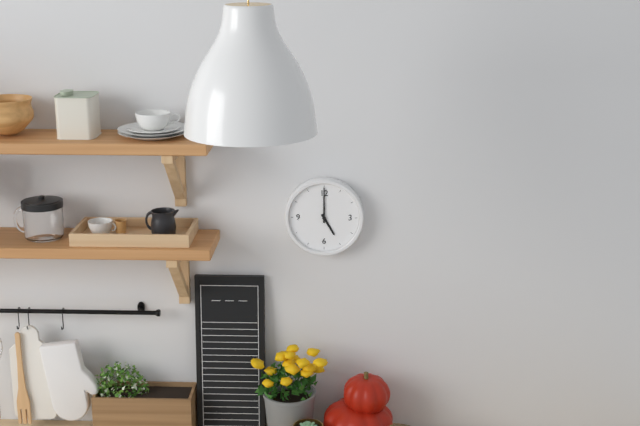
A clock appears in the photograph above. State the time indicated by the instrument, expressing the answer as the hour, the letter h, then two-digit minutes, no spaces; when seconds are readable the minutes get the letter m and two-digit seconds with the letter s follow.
5h00
